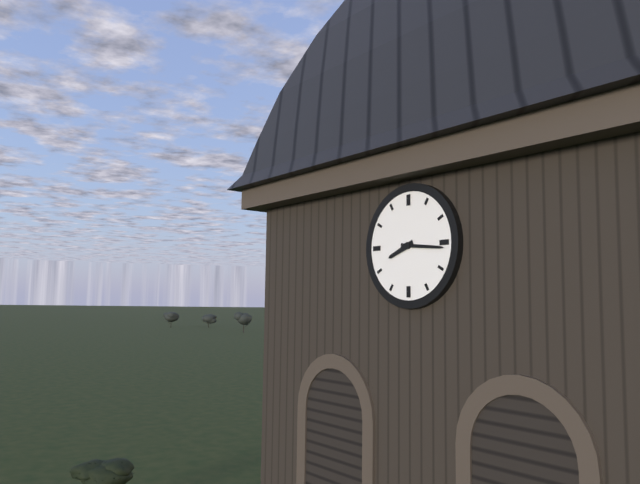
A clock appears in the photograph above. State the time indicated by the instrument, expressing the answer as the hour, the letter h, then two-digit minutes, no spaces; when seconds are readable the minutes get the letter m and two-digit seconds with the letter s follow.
8h16
